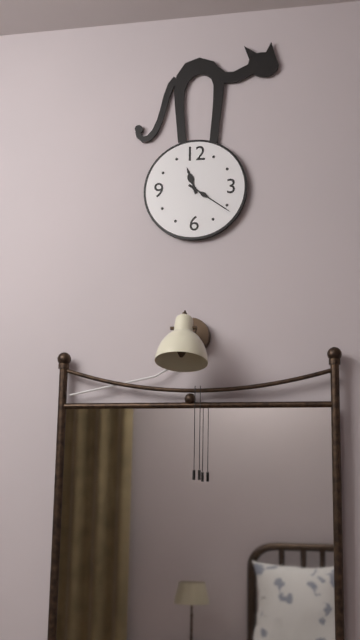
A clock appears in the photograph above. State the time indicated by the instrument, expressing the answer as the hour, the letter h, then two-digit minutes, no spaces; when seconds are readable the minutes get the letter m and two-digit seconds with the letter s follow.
11h21
